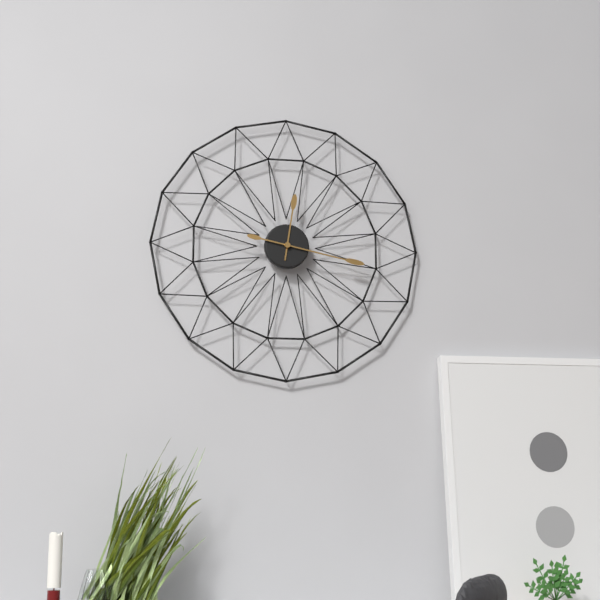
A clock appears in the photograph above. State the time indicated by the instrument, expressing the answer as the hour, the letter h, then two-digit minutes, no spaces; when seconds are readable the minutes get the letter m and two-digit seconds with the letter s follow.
12h17
